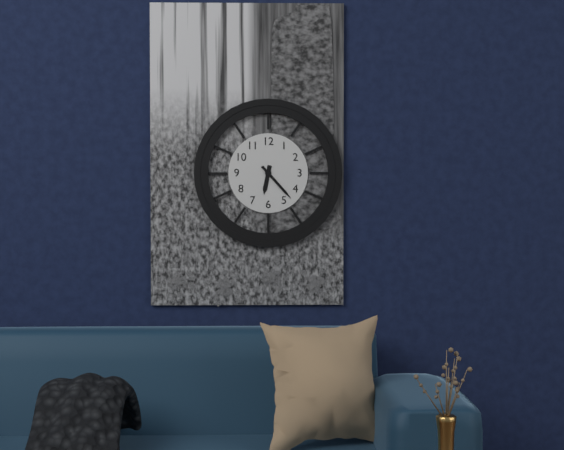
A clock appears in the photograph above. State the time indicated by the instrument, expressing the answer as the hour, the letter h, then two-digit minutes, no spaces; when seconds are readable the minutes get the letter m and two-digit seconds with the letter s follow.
6h23
